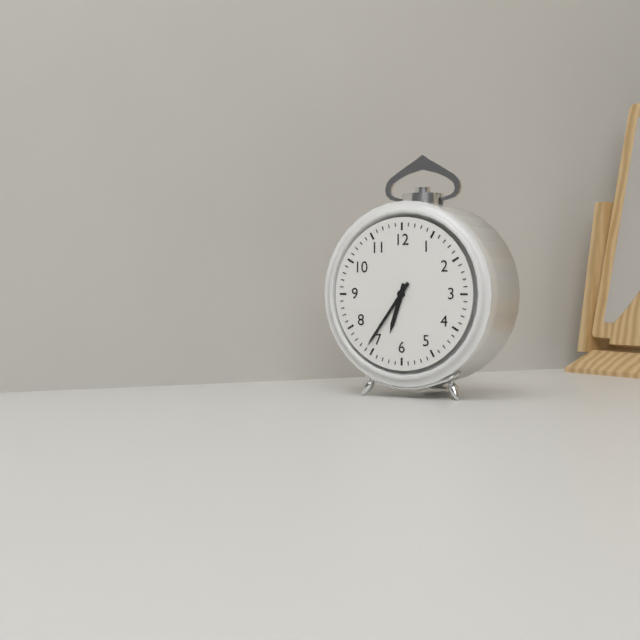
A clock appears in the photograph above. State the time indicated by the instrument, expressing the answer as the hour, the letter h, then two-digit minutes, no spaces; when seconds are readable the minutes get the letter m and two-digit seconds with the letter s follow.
6h36
